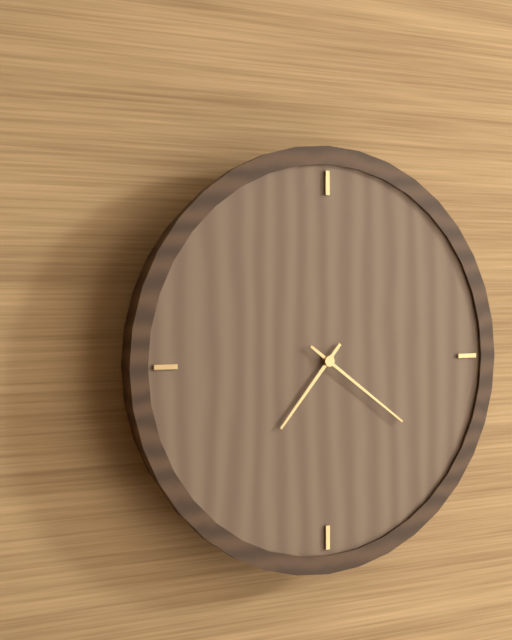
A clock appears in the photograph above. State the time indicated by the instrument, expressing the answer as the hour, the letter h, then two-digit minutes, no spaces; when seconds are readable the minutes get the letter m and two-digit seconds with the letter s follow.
7h21
